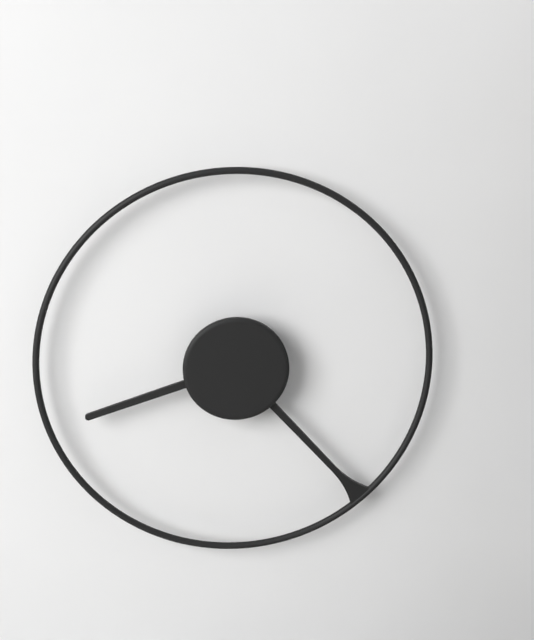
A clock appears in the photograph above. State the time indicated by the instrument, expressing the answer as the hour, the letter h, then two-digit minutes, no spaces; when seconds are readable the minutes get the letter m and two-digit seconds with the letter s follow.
8h23
